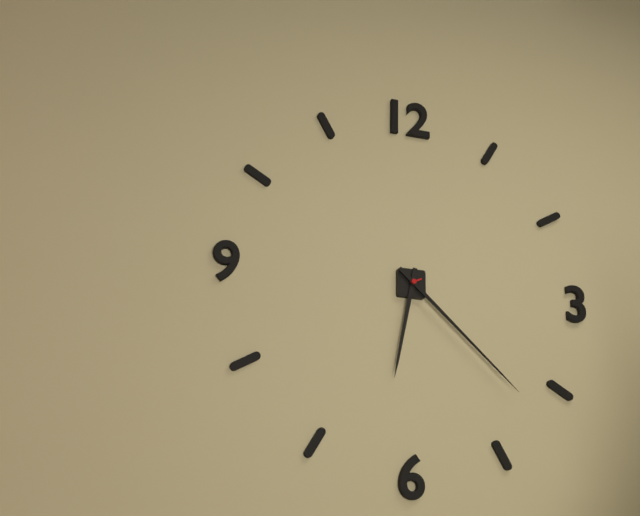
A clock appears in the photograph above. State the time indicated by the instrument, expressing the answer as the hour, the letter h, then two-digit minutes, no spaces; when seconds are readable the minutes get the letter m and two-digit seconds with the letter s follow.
6h22
